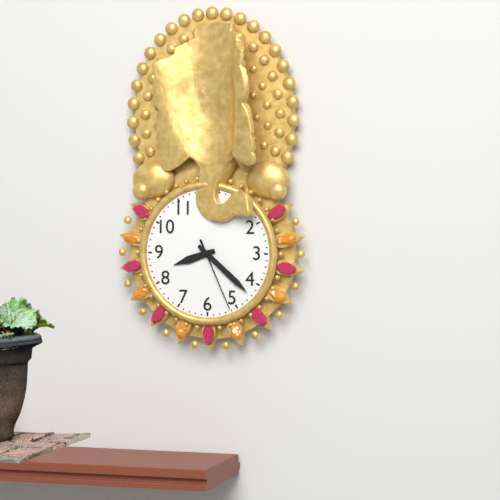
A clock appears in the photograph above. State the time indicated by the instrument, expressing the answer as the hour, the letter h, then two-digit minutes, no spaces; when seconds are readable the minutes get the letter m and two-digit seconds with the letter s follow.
8h22m26s
